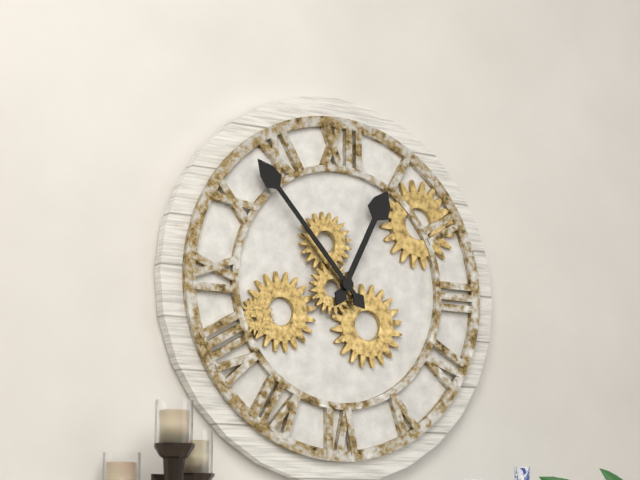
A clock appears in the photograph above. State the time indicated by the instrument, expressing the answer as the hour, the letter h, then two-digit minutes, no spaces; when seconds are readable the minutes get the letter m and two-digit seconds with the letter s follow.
12h53
